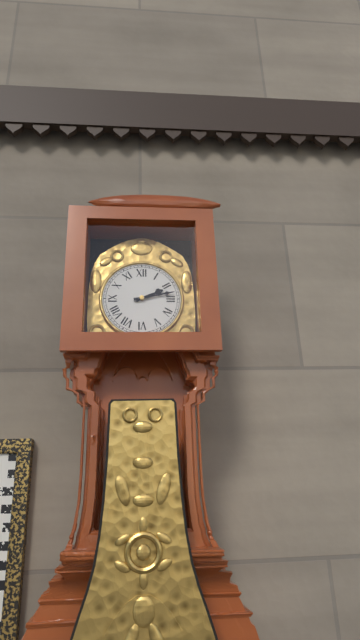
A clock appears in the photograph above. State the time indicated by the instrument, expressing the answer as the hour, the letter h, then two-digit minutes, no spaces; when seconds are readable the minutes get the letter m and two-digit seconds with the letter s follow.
2h13
